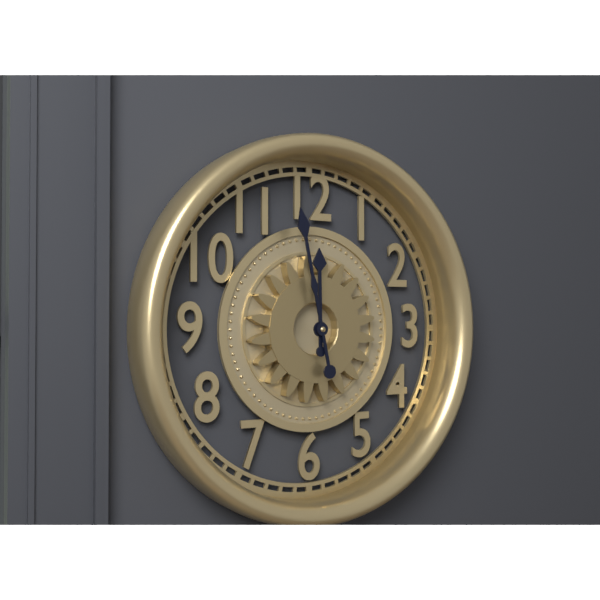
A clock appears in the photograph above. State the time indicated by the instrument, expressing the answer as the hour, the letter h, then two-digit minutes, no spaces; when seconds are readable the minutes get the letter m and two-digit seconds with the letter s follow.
11h58
